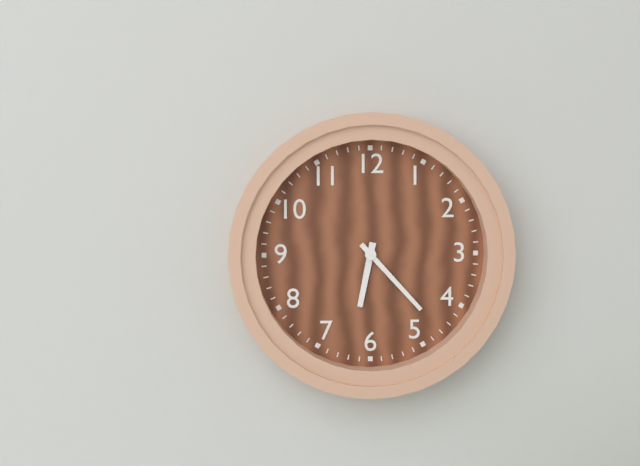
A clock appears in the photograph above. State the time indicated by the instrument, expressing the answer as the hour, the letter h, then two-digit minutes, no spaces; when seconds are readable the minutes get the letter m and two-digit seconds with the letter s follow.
6h23
